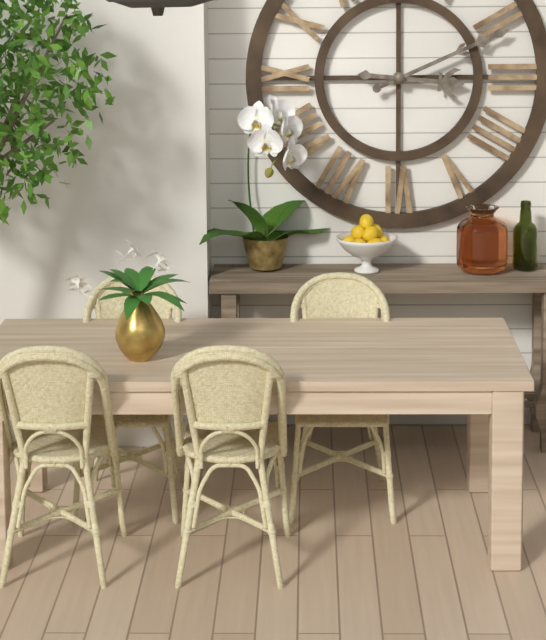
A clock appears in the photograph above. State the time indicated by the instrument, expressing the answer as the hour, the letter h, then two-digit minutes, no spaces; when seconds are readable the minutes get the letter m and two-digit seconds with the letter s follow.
3h11
